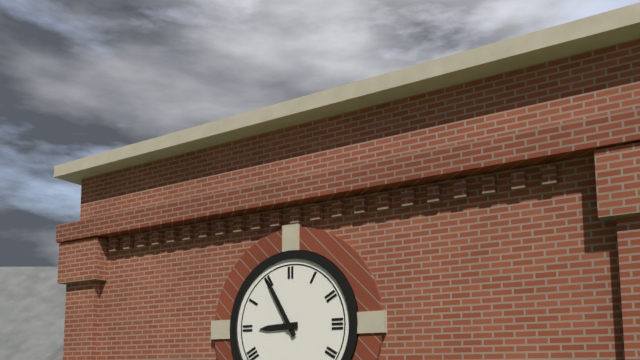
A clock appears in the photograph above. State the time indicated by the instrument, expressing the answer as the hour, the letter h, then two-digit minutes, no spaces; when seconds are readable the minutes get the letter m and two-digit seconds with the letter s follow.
8h55
